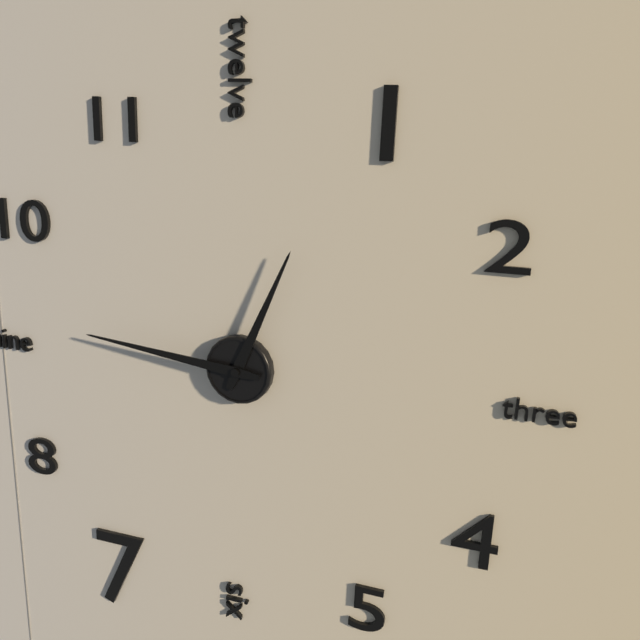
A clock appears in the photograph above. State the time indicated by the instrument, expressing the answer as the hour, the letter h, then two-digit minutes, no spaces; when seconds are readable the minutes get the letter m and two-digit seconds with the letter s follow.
12h46
